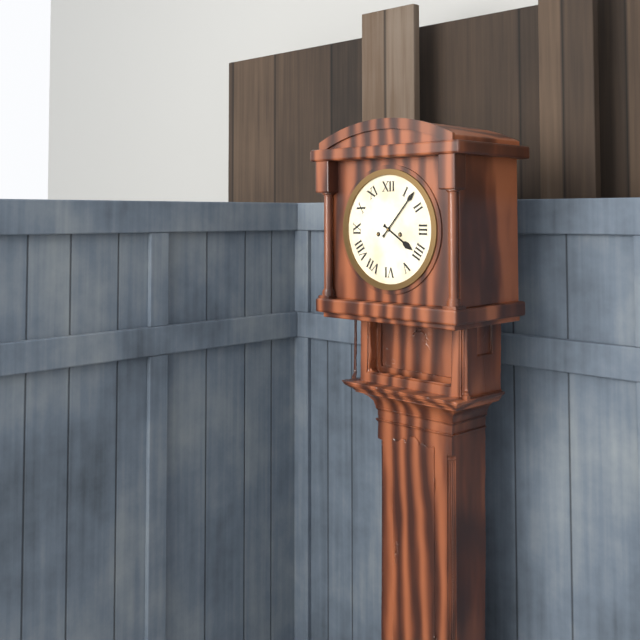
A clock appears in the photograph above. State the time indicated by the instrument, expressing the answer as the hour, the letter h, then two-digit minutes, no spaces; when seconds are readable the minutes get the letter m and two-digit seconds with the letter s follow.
4h07
